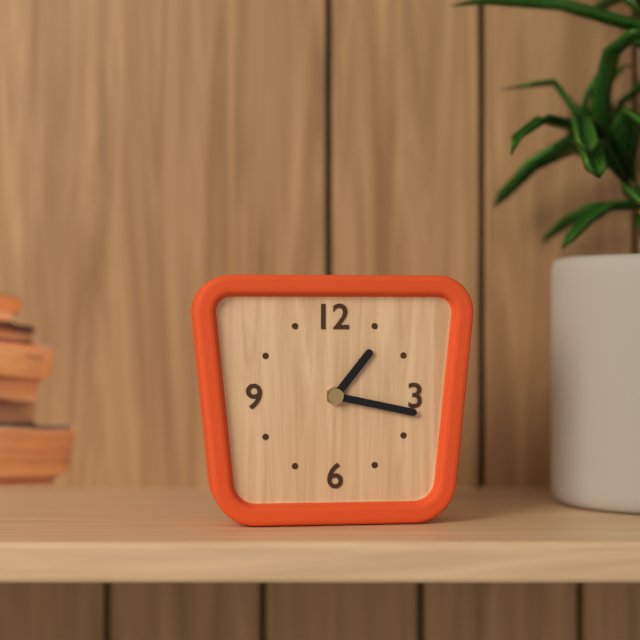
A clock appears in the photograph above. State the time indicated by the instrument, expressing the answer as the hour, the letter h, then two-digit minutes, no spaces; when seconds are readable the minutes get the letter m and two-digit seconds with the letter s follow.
1h17
